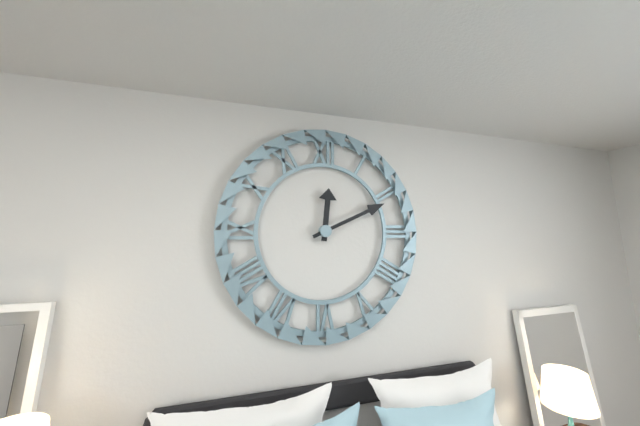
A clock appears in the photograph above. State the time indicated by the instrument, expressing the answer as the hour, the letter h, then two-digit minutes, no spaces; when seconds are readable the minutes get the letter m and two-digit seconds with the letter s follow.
12h11
